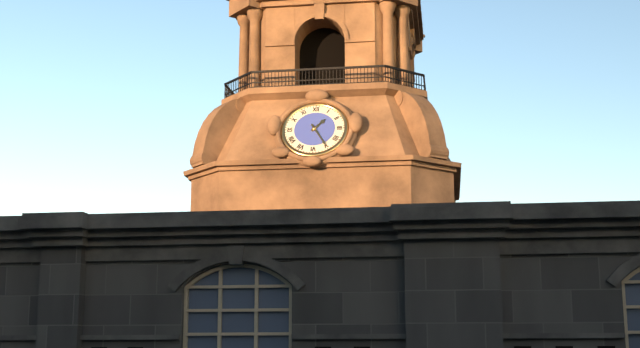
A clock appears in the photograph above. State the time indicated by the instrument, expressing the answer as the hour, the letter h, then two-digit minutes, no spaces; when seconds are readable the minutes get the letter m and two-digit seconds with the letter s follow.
1h25
